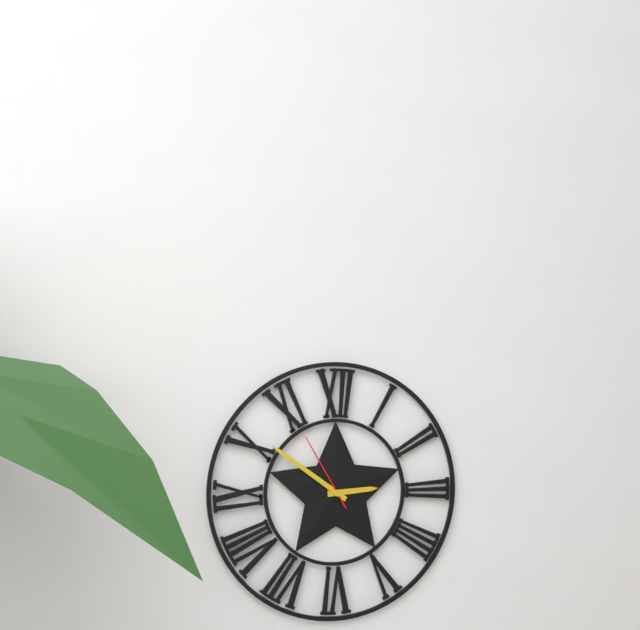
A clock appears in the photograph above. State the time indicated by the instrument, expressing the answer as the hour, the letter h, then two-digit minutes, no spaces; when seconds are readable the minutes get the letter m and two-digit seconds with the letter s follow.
2h51m55s
